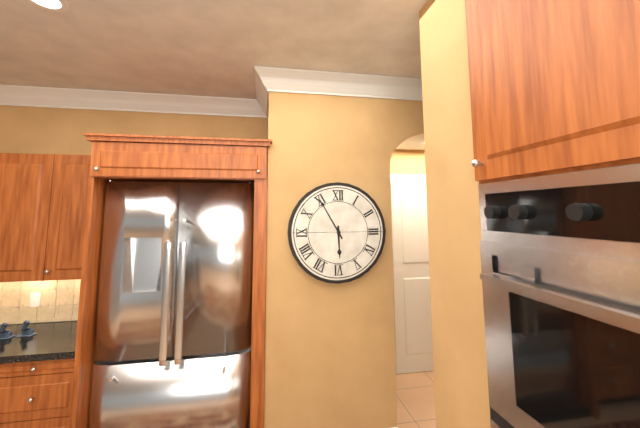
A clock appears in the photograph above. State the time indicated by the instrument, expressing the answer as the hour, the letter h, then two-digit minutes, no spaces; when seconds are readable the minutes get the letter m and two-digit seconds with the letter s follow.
5h55
